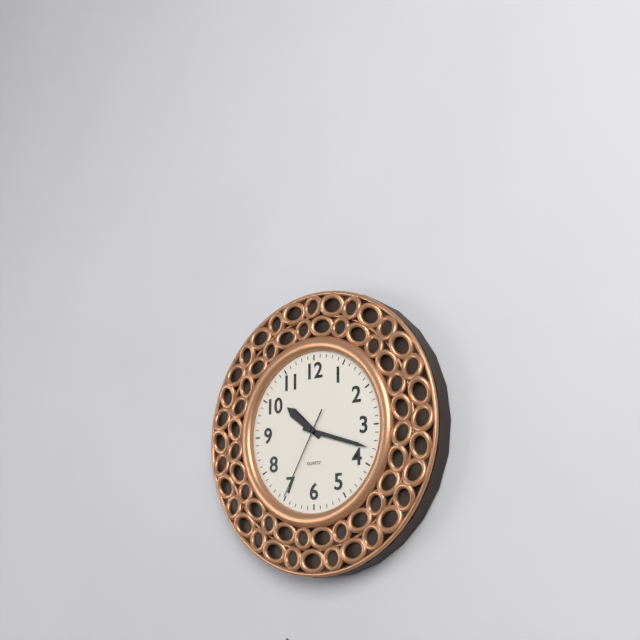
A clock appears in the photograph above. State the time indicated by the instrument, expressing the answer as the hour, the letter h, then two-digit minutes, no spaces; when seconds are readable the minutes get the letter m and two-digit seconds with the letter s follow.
10h18m35s
